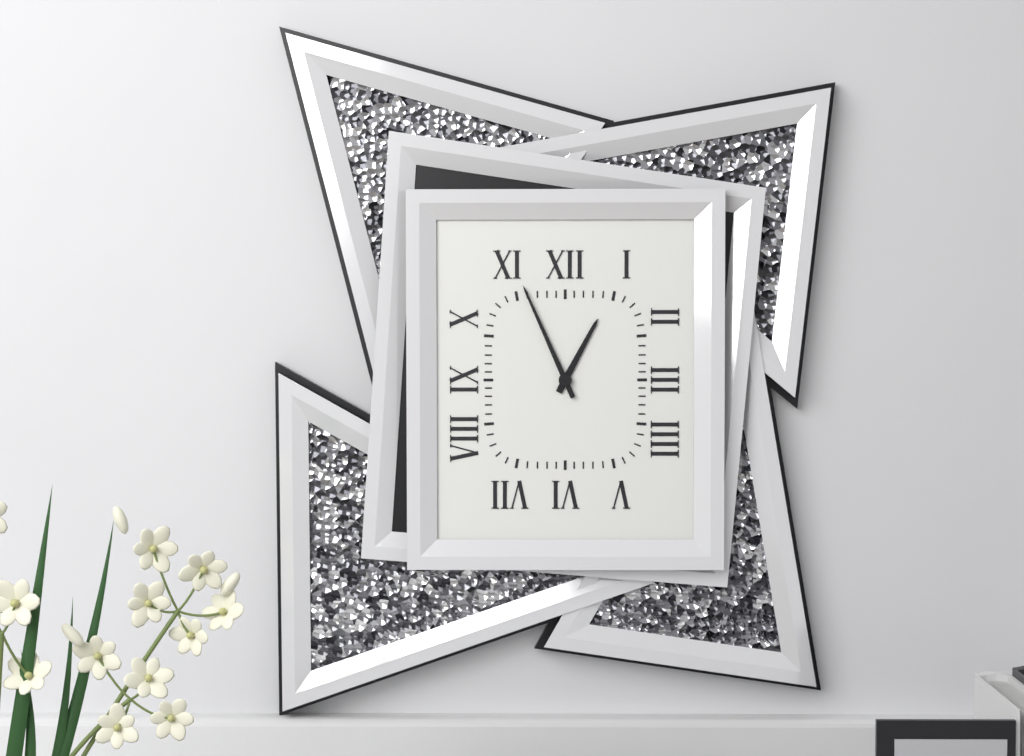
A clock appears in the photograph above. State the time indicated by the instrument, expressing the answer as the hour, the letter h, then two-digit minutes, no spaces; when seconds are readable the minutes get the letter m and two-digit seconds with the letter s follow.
12h56
